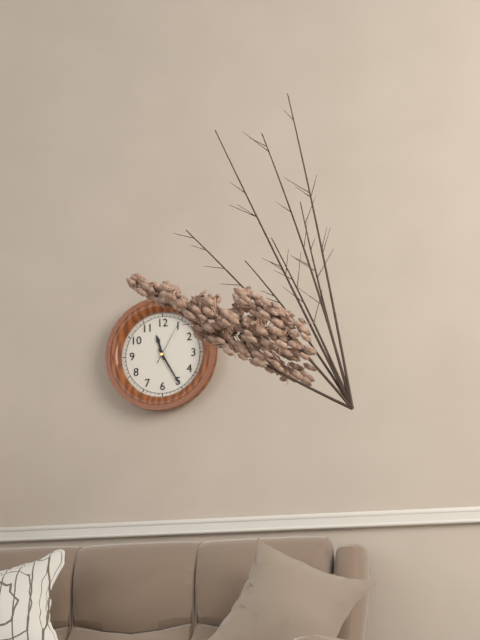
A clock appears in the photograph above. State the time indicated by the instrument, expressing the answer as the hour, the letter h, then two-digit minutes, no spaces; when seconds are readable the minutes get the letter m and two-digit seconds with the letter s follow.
11h25
